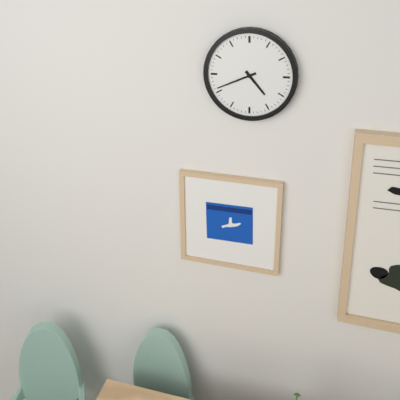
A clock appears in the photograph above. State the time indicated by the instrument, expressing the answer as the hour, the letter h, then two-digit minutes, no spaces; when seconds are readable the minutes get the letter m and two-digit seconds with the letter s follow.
4h41
